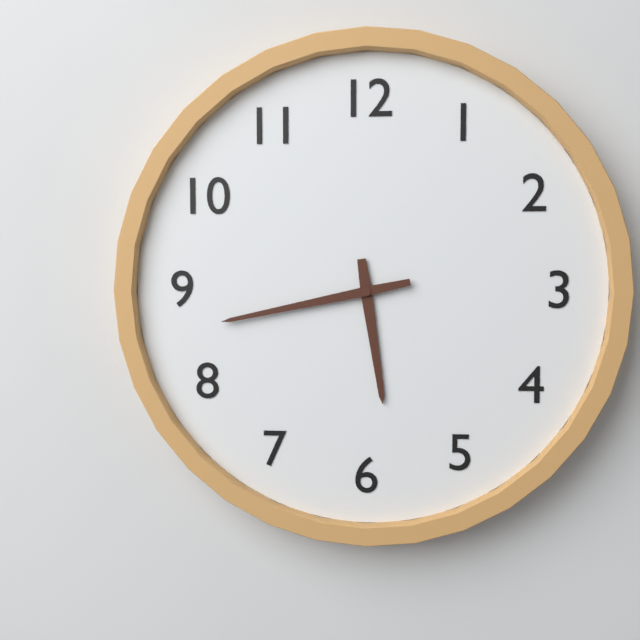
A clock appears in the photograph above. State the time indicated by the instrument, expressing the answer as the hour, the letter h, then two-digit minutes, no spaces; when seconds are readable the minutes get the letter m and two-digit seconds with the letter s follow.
5h43
